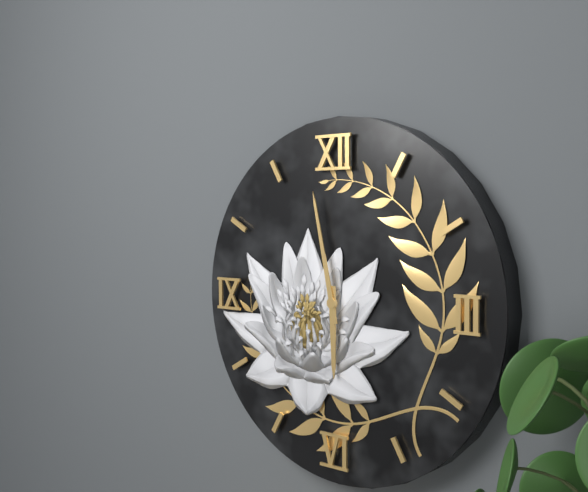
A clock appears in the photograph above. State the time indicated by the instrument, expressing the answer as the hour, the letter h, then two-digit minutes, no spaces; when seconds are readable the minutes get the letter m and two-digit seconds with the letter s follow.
5h58
